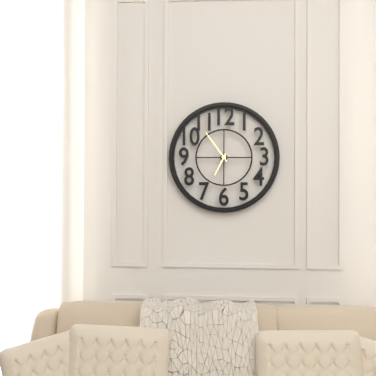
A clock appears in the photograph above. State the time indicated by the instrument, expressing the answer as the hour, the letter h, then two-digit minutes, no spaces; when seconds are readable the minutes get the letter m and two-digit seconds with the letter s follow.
6h54
